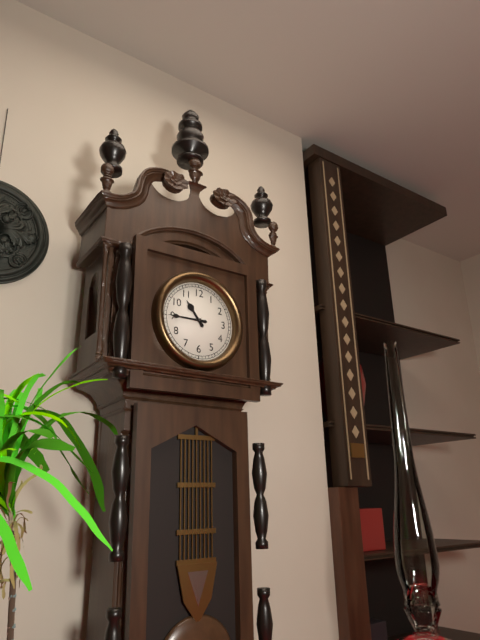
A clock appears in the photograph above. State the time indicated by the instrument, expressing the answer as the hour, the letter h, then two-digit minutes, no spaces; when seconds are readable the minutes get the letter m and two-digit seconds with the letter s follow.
10h45
